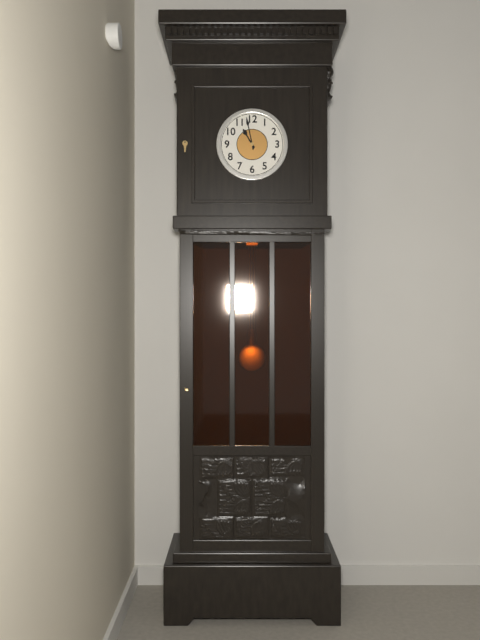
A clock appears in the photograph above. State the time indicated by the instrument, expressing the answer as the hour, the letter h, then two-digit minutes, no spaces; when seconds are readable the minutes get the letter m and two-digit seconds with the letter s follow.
10h58
